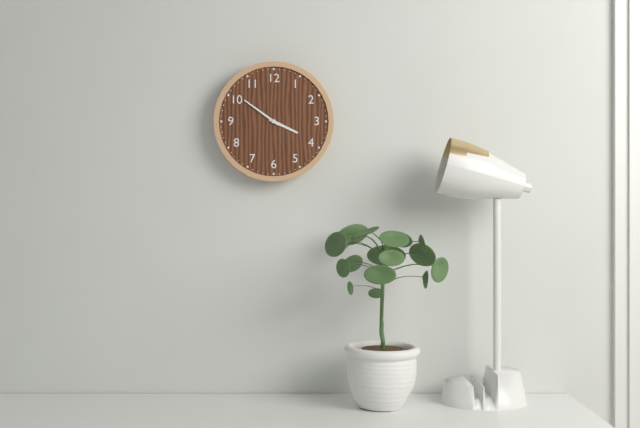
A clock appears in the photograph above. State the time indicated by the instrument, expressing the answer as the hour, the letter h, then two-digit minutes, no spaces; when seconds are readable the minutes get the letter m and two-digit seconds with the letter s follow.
3h51
